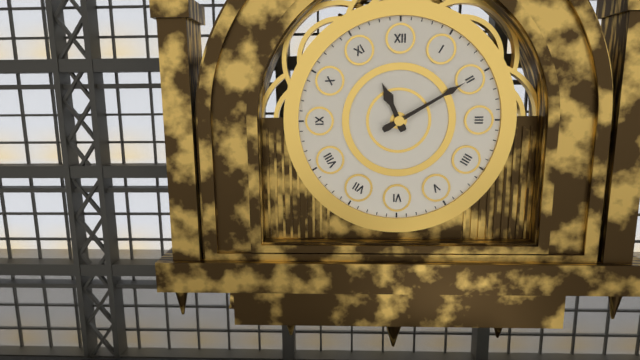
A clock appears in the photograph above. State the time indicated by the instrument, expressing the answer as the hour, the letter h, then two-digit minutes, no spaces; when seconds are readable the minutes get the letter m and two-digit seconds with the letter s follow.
11h10
